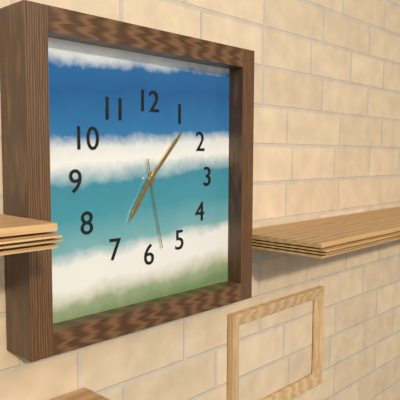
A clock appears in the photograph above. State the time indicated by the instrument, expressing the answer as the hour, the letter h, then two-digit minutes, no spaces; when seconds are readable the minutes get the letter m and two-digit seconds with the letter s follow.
7h07m28s
